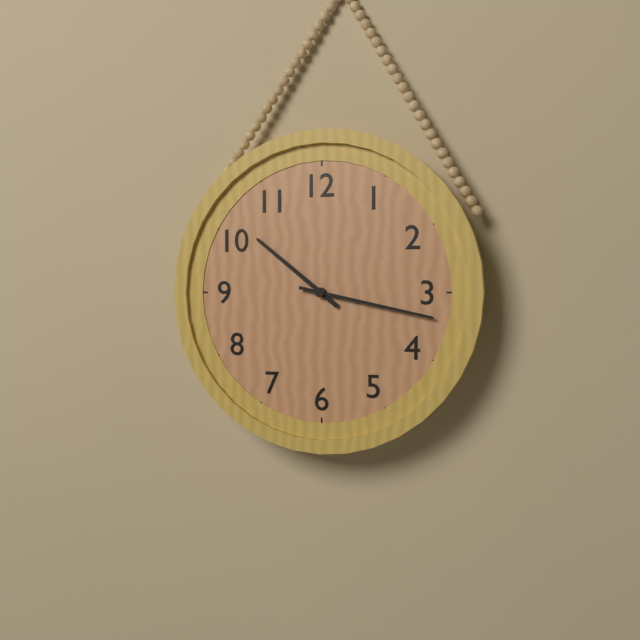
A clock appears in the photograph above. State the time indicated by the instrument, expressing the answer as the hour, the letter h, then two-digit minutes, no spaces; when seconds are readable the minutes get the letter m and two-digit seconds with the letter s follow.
10h17
